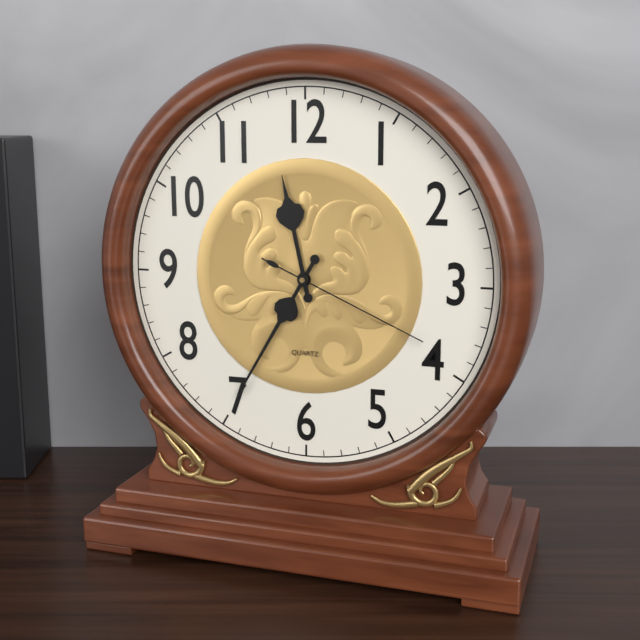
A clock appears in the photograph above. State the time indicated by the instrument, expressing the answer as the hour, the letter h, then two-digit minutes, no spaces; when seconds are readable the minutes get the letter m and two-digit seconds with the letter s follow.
11h35m19s
